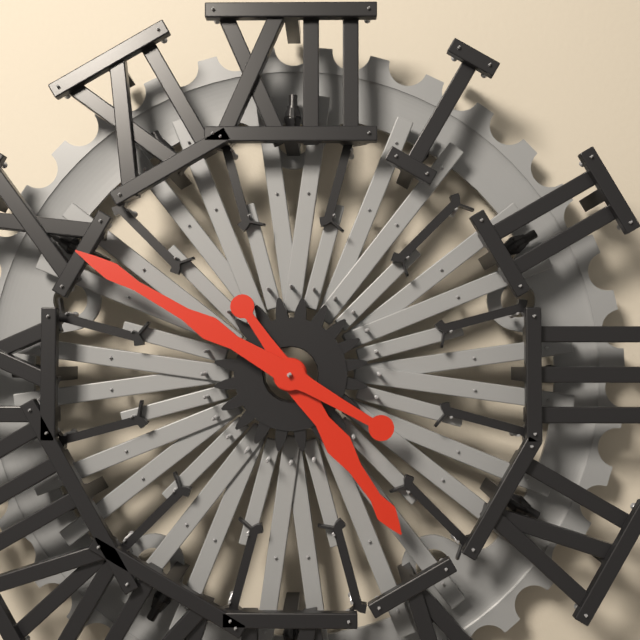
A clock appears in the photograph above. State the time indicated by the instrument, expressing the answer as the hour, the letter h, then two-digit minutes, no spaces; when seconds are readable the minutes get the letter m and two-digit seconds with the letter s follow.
4h50
